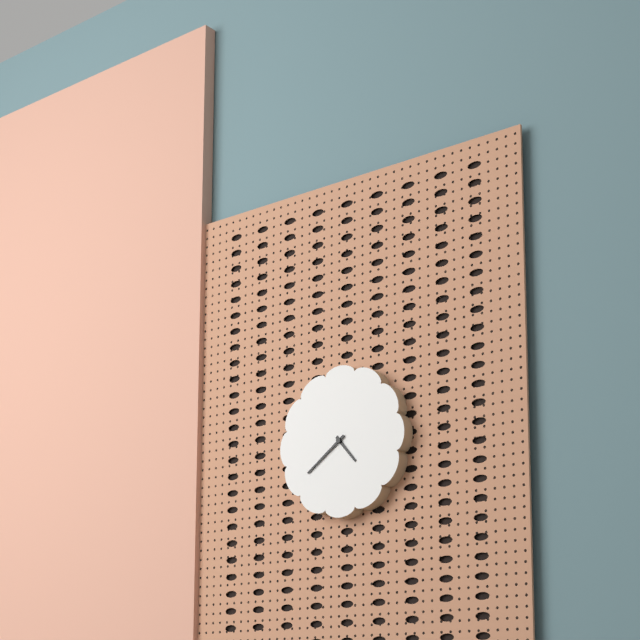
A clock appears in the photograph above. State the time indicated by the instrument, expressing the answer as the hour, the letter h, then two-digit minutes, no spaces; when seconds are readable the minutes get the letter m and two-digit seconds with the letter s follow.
4h39
